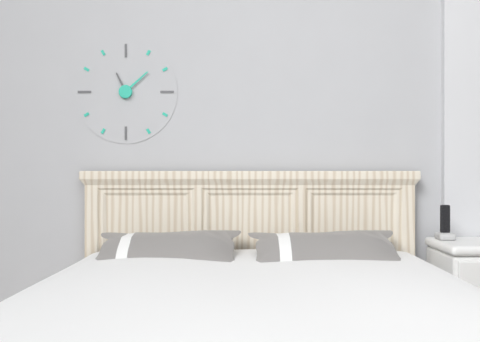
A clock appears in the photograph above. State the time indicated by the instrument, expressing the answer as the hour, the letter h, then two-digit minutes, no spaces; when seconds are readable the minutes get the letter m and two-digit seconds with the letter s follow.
11h08
